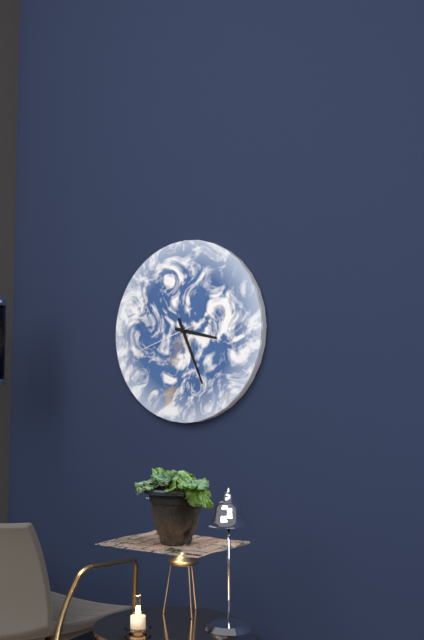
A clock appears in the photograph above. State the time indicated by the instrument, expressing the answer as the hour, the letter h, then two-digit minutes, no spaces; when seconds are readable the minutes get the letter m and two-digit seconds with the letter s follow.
3h26m42s
